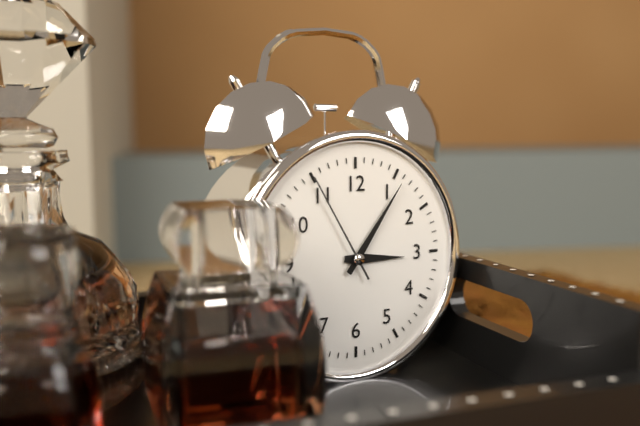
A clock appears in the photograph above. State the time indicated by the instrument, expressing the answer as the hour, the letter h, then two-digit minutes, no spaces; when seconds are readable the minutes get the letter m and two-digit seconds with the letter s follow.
3h06m55s
